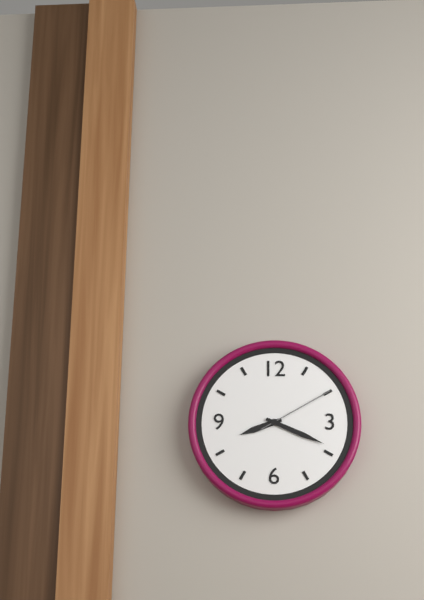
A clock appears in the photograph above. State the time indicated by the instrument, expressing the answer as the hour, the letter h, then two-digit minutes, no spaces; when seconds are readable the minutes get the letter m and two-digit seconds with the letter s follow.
8h19m10s
